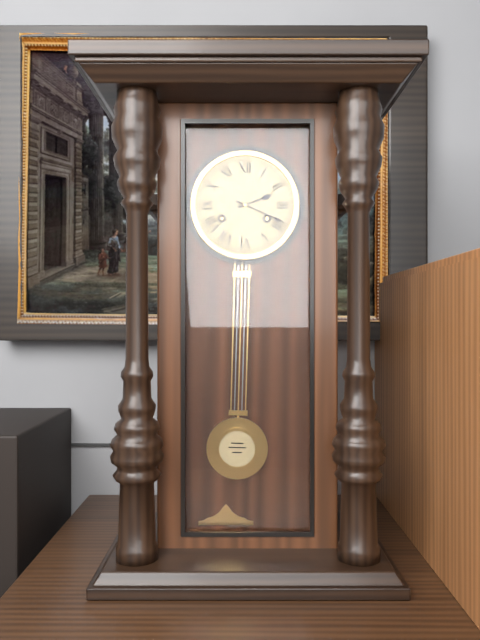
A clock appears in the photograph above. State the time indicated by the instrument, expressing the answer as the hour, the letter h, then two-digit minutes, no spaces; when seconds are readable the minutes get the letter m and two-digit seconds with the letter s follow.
2h19
